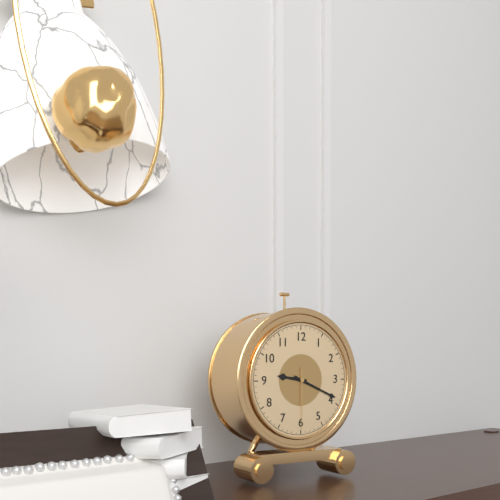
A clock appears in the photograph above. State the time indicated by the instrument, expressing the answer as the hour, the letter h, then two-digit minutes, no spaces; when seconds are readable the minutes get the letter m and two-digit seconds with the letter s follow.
9h19m30s
